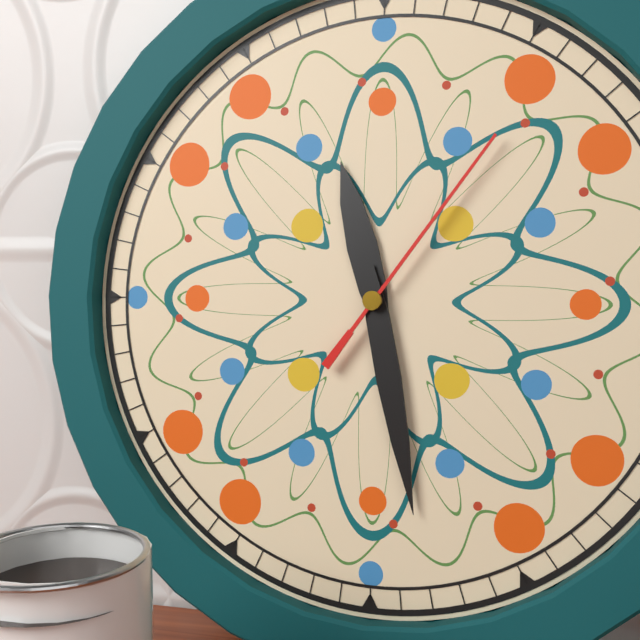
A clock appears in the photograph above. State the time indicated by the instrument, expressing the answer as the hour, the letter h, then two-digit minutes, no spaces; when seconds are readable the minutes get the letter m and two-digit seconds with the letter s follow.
11h28m06s
